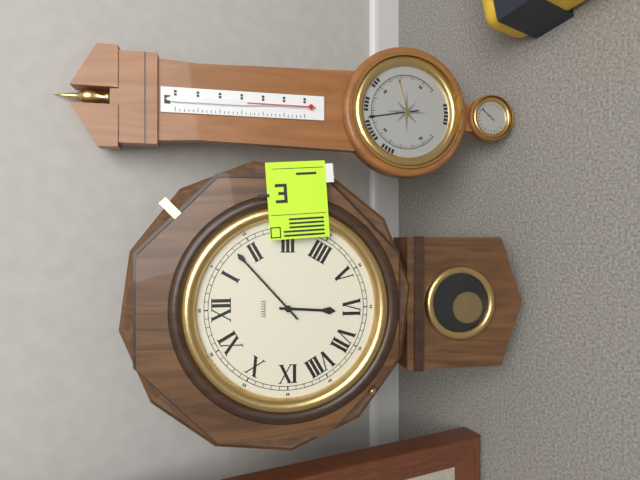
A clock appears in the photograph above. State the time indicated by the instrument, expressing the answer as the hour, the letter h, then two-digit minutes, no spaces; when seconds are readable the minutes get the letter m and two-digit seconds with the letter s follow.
6h08
